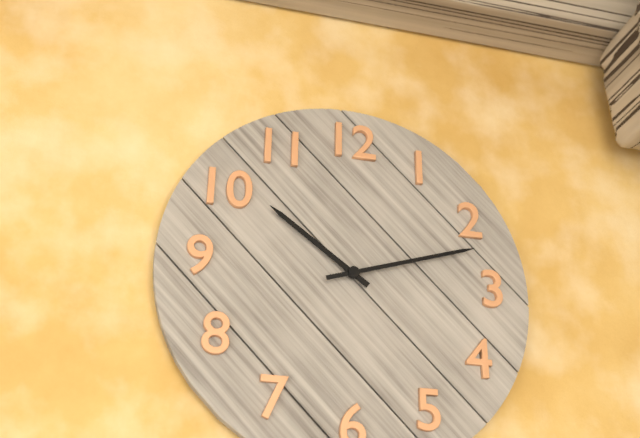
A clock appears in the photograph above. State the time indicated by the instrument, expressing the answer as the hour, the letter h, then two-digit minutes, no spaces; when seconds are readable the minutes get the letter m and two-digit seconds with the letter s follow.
10h12
